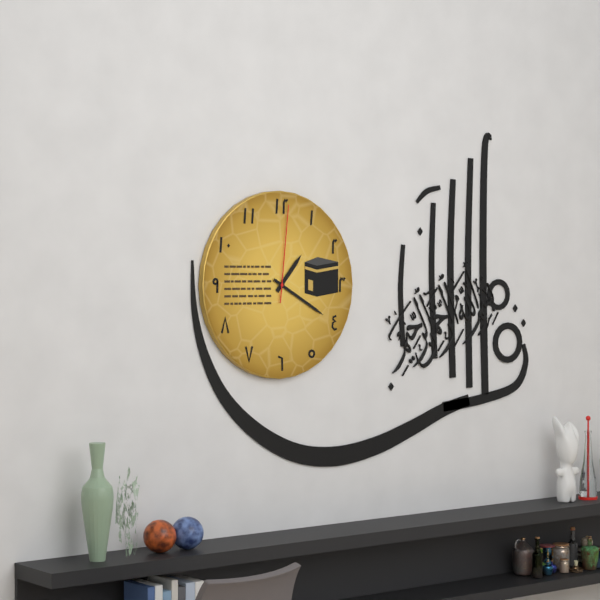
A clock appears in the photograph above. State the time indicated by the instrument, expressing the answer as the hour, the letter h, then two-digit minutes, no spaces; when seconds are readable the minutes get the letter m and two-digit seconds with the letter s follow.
1h20m01s
